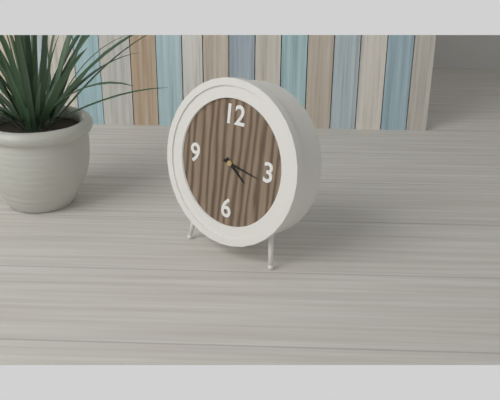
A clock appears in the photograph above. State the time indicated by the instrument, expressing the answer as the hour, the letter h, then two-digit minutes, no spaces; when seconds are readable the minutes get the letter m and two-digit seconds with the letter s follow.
4h17
